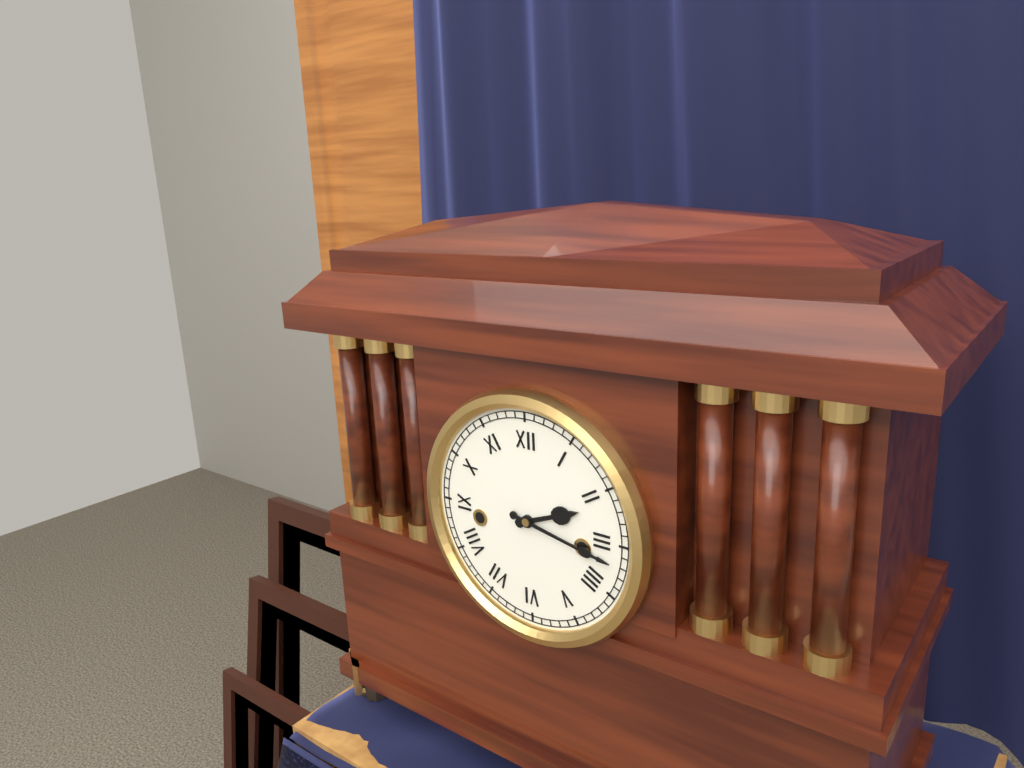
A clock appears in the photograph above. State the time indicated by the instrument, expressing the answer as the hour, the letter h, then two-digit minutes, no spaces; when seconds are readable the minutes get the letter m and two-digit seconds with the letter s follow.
2h17
